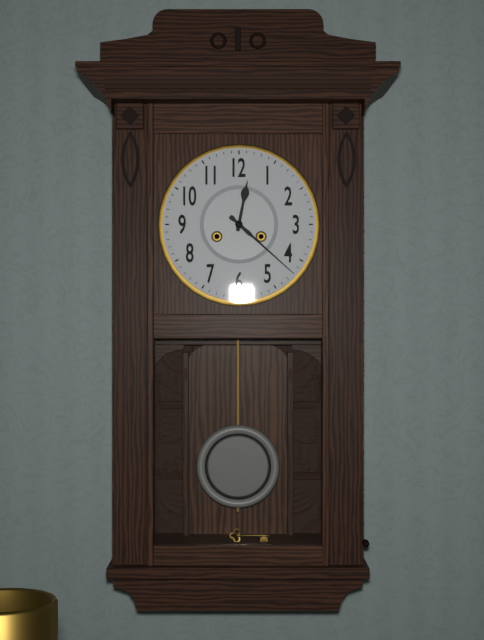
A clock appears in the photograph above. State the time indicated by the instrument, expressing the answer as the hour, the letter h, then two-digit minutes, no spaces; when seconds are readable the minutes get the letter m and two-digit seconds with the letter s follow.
12h22
